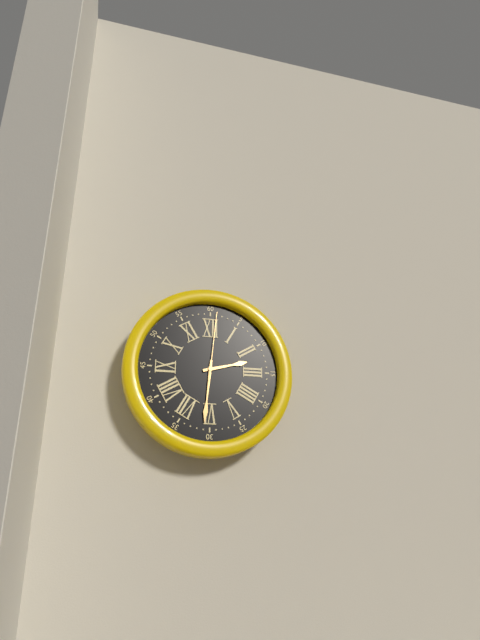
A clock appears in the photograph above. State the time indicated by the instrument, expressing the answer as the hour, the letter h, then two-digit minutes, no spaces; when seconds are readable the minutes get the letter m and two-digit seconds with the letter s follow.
2h31m01s
